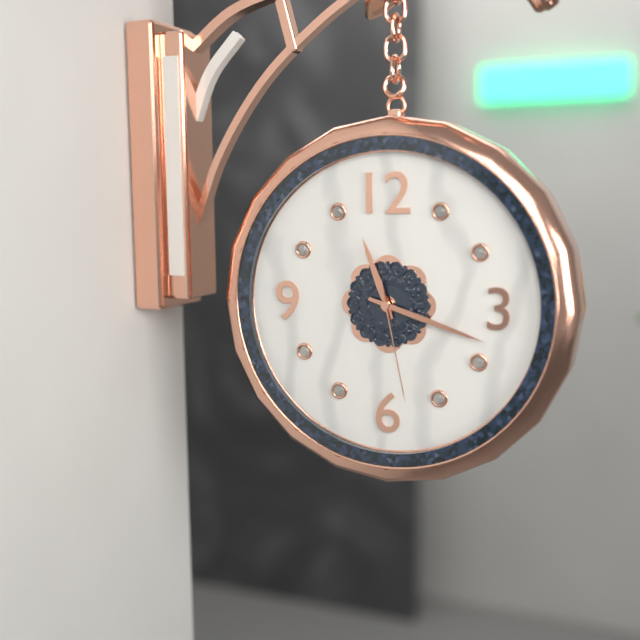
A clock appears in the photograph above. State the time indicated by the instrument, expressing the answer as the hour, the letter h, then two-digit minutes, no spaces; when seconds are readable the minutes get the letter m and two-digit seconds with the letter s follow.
11h18m28s
